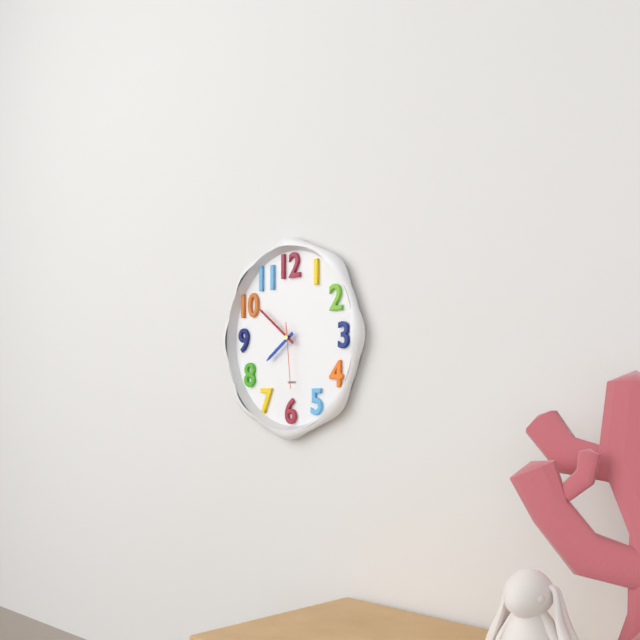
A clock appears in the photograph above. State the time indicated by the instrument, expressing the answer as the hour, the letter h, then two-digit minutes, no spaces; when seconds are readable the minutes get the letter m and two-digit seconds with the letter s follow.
7h51m29s
